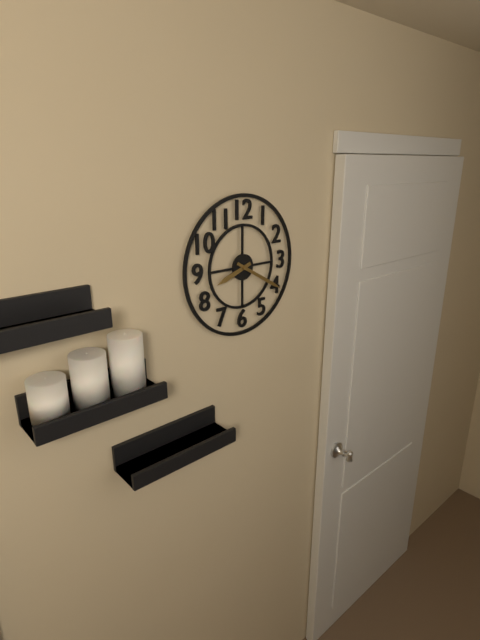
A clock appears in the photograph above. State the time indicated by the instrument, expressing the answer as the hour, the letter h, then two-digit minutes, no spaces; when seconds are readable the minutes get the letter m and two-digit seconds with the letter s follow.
8h20
